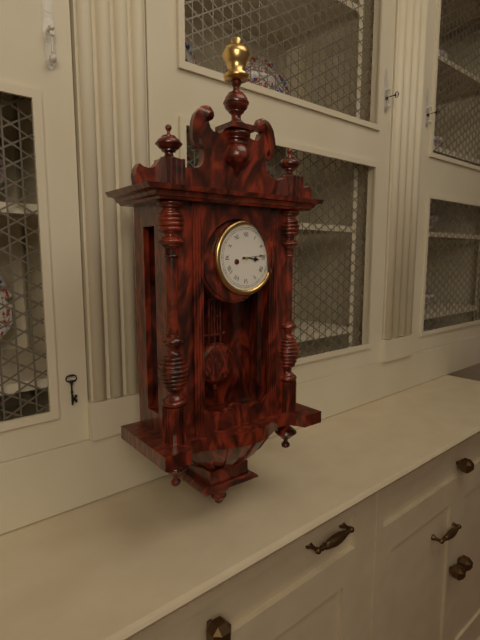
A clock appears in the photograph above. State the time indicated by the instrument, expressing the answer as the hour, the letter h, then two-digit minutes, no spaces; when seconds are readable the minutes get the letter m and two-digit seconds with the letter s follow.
3h14
